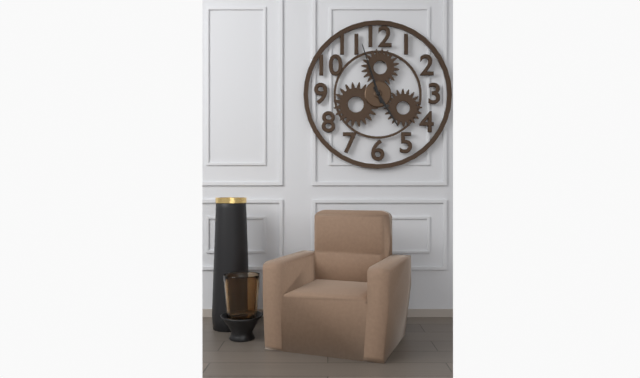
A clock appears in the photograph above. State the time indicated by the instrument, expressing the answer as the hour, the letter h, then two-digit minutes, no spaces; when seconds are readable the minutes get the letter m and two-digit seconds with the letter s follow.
4h57
